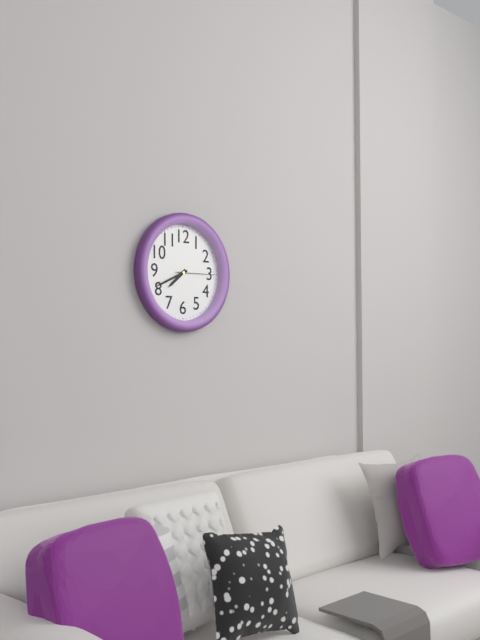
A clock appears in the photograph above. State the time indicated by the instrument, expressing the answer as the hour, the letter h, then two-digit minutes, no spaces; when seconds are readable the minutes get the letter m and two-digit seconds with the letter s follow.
7h41
